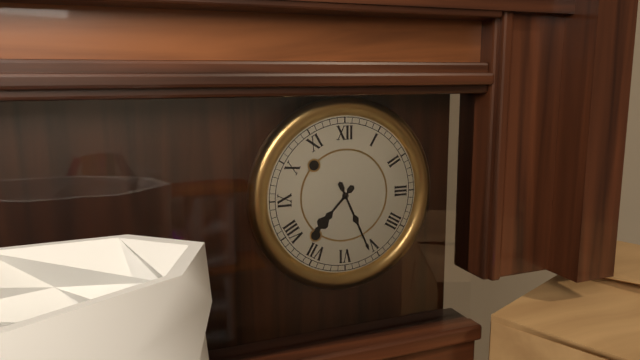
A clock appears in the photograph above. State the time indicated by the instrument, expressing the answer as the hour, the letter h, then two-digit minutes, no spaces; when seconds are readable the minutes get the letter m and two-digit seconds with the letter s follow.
7h26
